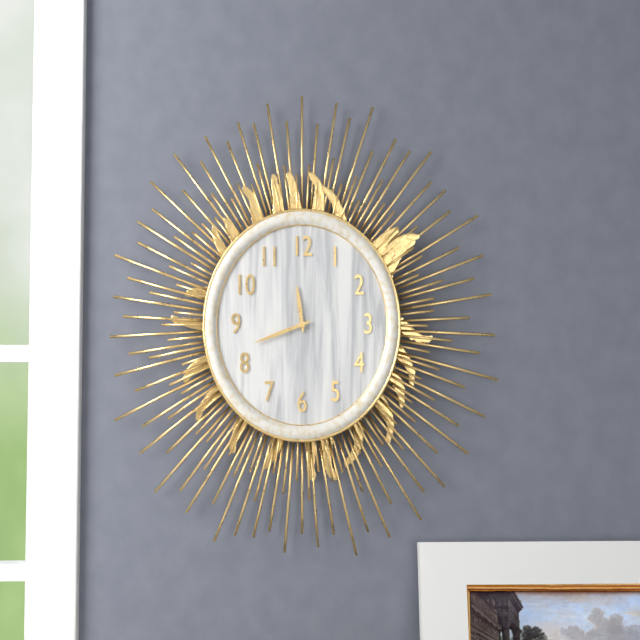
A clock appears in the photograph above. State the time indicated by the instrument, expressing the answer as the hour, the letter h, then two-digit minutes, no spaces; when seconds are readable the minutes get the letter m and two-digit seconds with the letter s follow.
11h42
